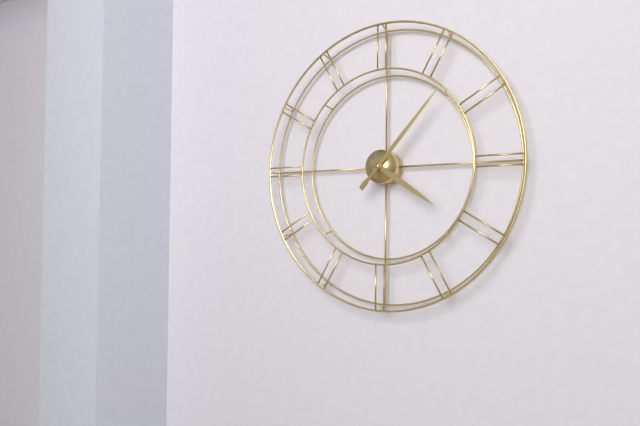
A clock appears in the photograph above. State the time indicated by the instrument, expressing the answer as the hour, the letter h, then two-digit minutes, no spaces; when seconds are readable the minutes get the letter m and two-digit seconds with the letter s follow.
4h07
